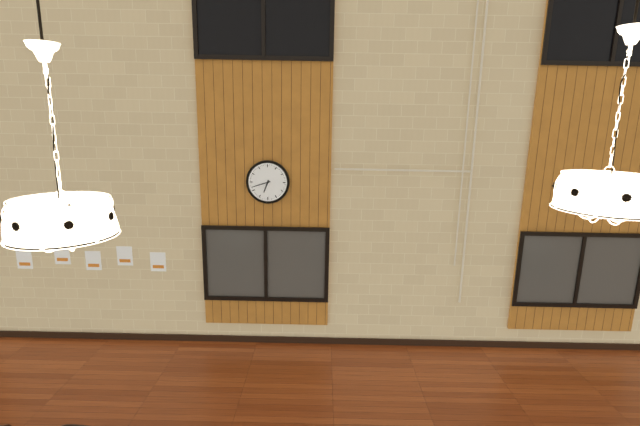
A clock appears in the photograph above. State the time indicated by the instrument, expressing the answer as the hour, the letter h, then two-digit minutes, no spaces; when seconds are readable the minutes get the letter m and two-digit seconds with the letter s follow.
6h42
